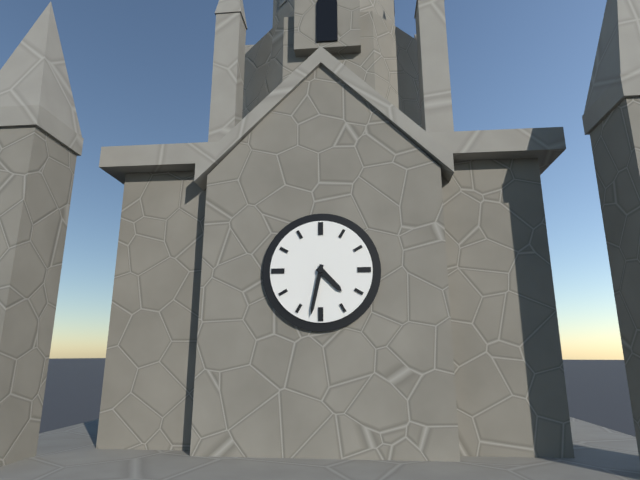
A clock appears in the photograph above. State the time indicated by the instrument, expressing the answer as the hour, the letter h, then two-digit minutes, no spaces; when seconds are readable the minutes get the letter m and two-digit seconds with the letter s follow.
4h32
